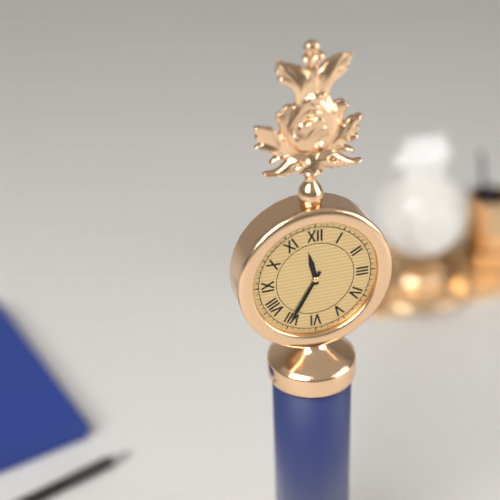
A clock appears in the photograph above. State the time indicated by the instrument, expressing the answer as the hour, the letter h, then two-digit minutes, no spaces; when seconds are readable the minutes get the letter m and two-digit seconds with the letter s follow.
11h35
